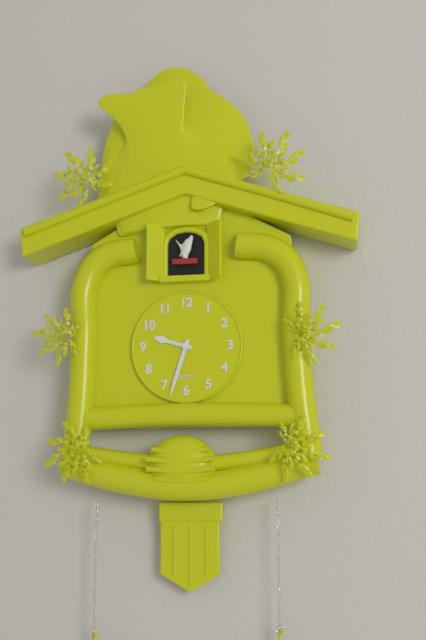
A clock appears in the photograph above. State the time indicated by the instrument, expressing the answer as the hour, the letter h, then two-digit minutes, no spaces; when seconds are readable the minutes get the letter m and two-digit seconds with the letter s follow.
9h33
